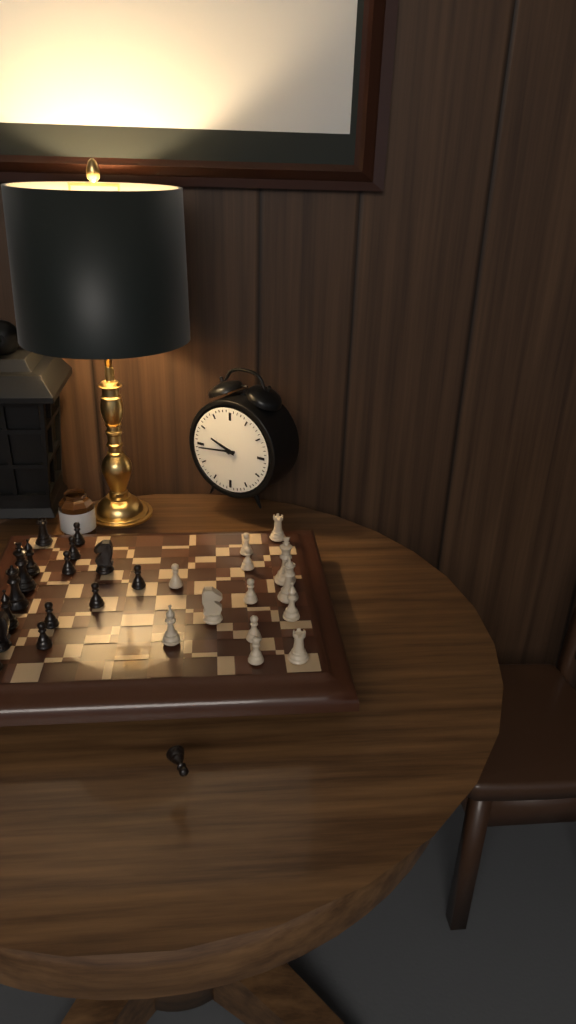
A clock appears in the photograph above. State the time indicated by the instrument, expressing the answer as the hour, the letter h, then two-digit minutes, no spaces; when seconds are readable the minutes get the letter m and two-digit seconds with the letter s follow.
9h44
